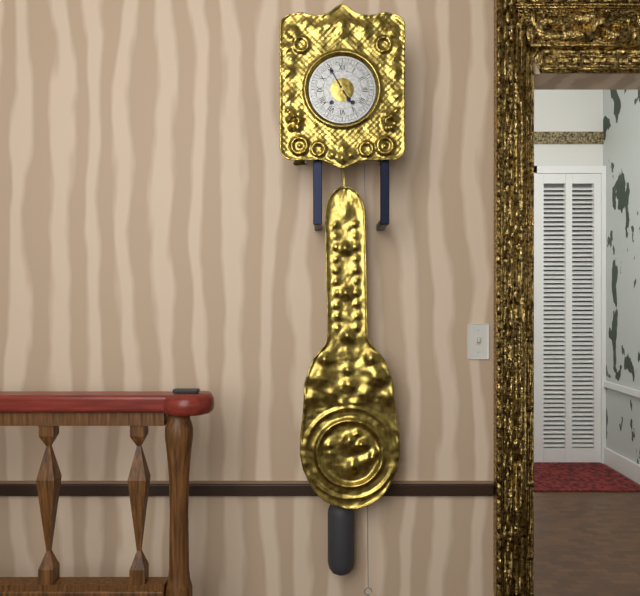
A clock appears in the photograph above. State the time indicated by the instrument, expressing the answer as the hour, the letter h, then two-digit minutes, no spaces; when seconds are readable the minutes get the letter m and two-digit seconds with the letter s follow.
4h55
